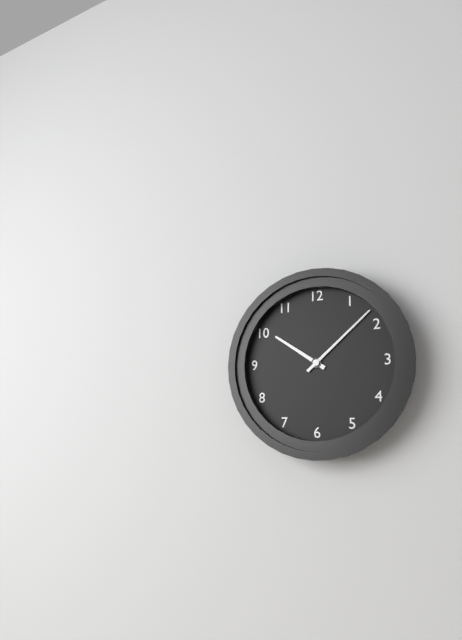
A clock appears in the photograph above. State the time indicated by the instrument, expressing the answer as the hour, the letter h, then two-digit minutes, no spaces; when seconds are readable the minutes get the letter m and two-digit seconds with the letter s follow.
10h08
